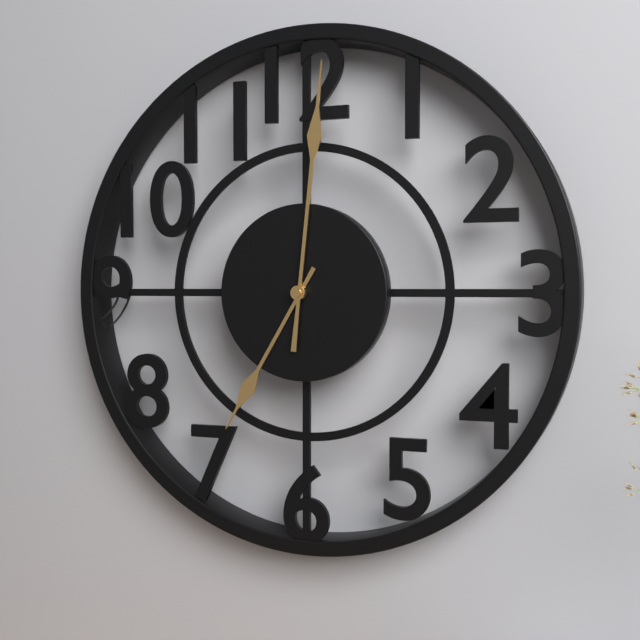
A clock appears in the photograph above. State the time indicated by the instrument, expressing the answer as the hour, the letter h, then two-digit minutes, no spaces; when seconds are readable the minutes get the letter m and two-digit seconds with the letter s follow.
7h01
